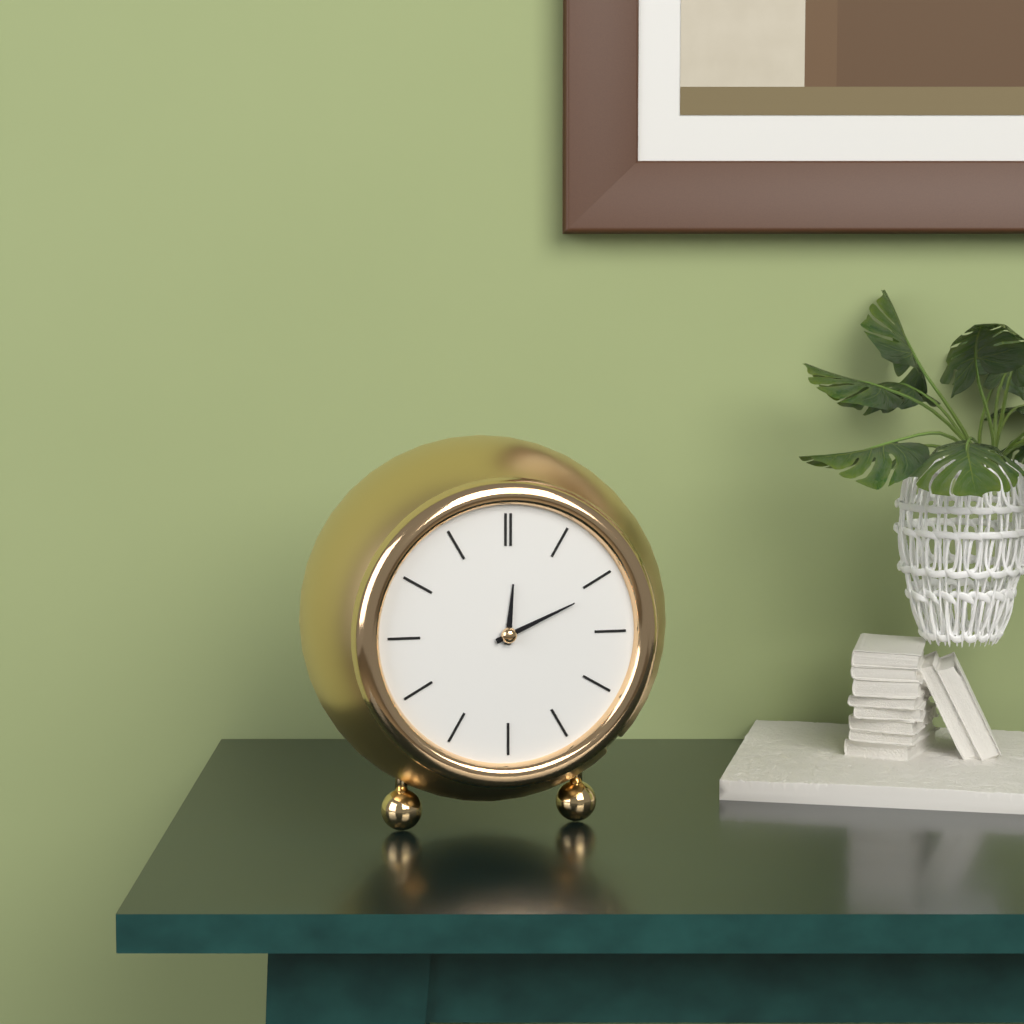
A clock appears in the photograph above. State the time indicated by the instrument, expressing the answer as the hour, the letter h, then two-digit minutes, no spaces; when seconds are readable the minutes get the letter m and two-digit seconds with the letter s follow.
12h11
